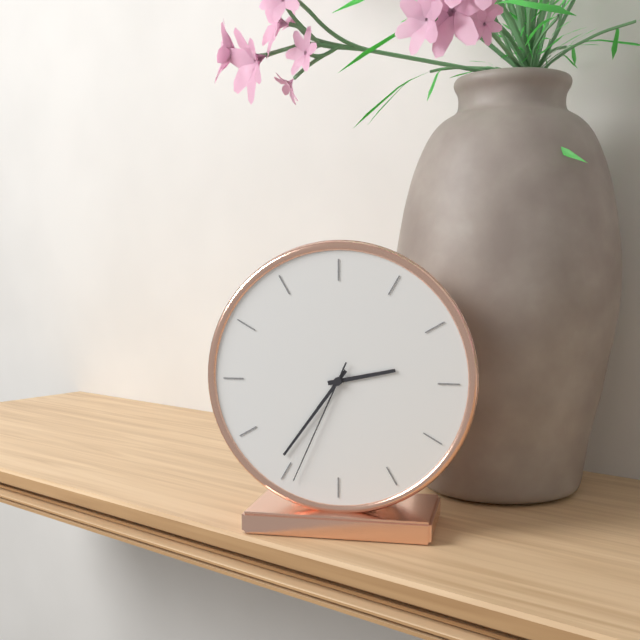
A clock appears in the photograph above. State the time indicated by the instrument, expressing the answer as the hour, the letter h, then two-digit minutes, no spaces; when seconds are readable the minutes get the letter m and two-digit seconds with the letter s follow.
2h36m34s
